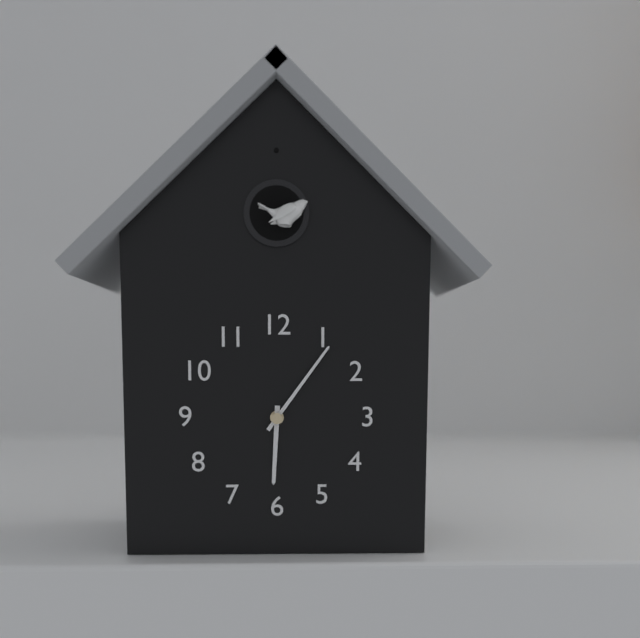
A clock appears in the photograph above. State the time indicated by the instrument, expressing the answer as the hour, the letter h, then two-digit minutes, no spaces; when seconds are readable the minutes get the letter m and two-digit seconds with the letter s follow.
6h06
